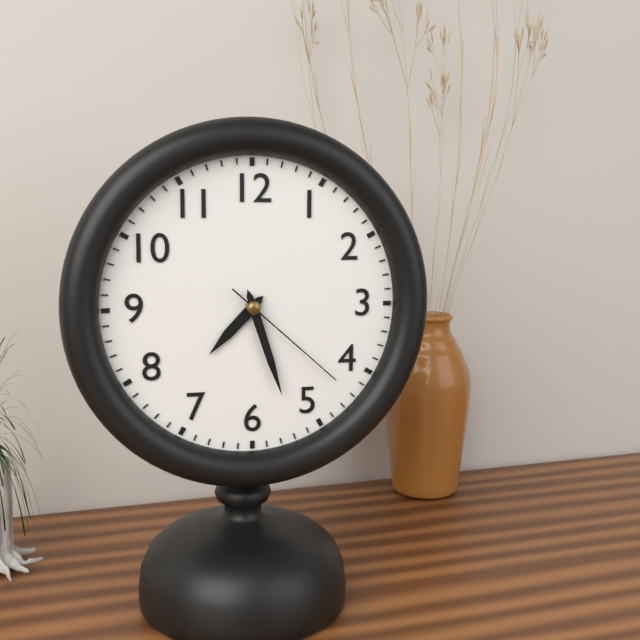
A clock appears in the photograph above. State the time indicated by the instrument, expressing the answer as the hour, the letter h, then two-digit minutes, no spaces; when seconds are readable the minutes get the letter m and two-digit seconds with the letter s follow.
7h27m22s
